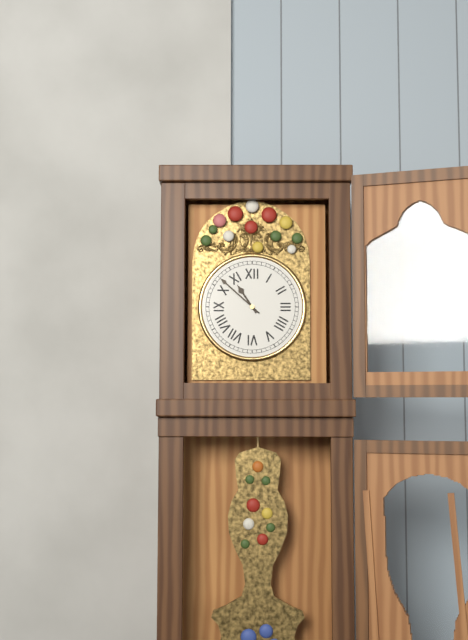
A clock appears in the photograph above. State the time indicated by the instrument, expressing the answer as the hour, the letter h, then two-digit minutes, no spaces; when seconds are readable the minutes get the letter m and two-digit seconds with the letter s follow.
10h52
